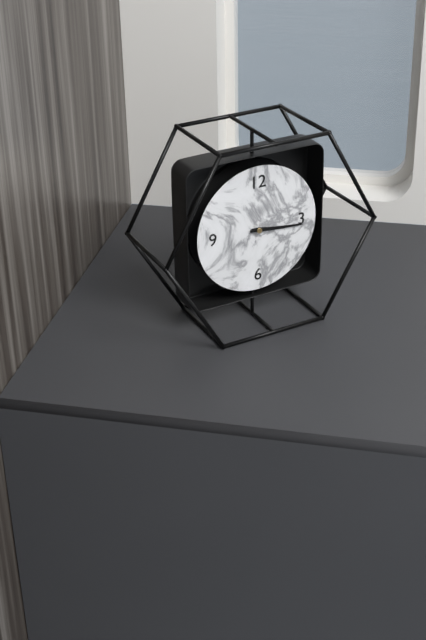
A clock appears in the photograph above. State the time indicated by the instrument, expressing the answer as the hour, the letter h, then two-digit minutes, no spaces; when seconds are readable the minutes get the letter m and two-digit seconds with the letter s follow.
3h16
